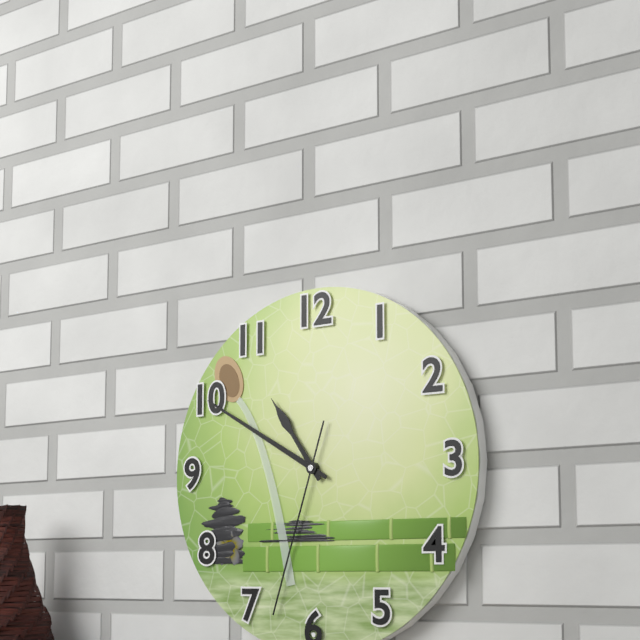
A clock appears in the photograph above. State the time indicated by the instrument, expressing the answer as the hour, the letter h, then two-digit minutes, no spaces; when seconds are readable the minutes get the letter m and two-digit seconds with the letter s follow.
10h50m33s
